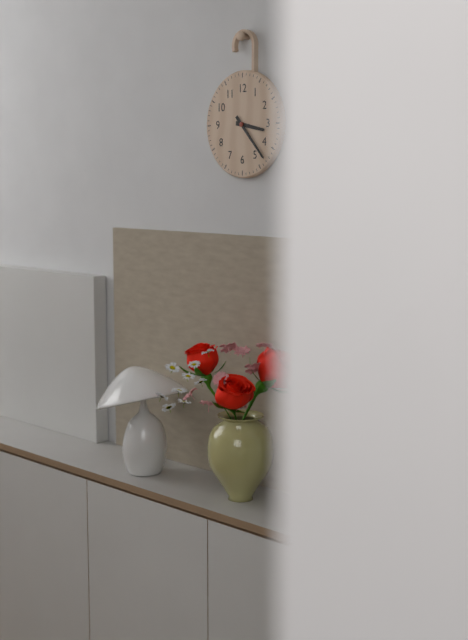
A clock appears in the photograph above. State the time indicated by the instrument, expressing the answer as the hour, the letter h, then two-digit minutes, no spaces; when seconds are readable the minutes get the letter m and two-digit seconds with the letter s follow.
3h23
